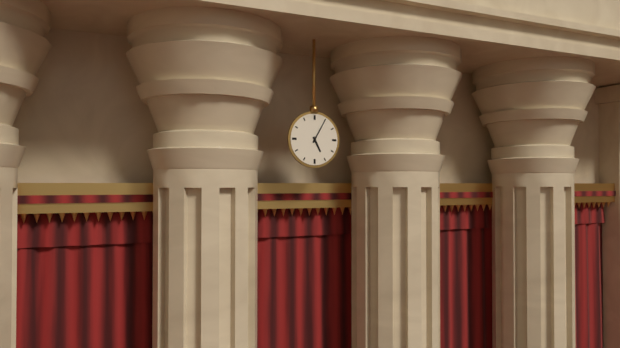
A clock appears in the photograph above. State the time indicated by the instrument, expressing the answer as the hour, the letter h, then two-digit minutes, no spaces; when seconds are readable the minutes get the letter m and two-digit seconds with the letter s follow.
5h05
